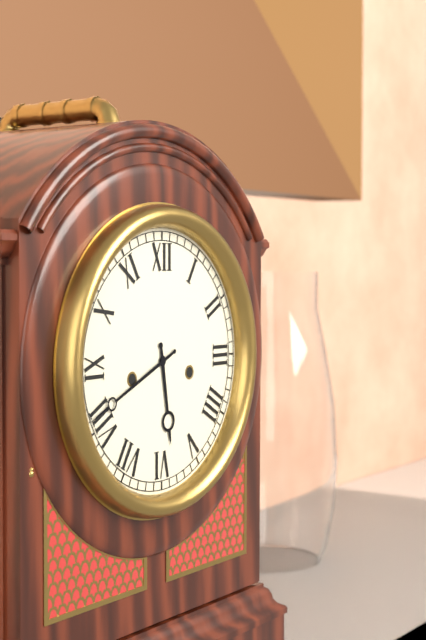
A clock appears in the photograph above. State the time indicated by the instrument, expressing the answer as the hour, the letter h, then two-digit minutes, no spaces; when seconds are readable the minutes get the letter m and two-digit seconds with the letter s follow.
5h41
